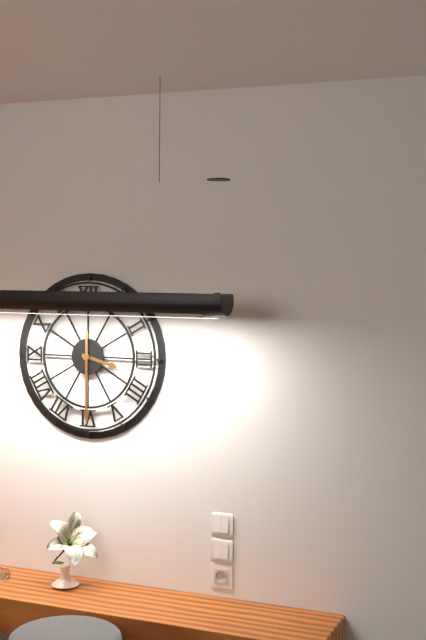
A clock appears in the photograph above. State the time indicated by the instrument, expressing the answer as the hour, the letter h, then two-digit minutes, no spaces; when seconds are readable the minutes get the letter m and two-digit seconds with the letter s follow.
3h30
